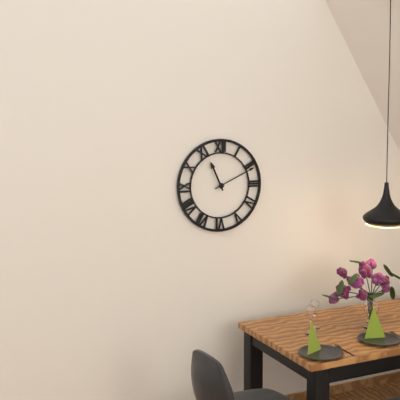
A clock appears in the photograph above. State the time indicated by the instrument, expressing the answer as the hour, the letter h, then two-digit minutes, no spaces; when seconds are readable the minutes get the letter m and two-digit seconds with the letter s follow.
11h11
